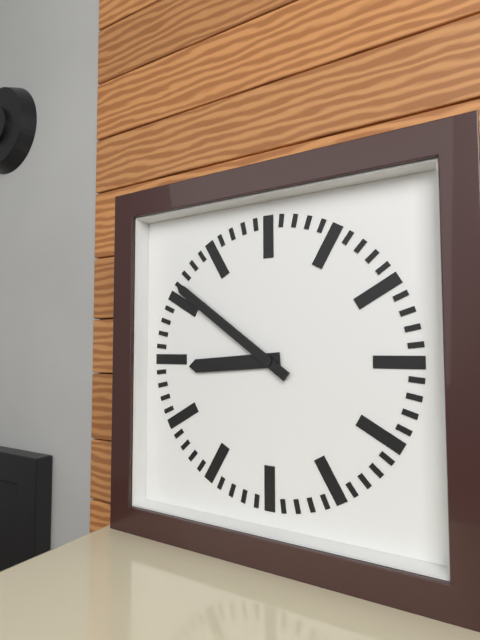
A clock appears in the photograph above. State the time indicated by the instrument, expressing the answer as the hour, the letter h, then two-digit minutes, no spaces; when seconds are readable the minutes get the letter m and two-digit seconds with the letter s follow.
8h51
